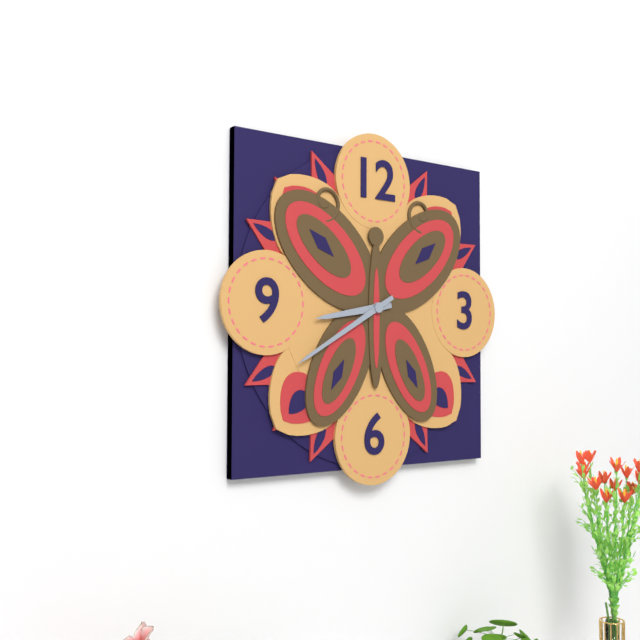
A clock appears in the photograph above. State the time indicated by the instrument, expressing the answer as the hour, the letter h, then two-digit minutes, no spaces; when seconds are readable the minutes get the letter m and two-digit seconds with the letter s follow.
8h40
